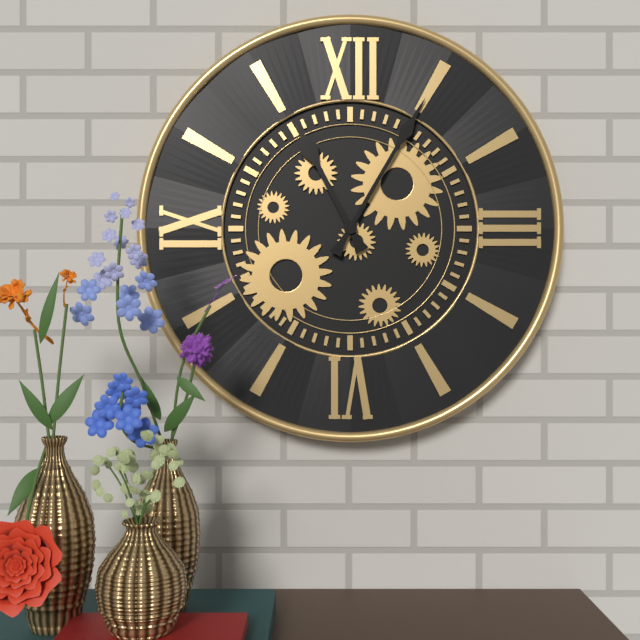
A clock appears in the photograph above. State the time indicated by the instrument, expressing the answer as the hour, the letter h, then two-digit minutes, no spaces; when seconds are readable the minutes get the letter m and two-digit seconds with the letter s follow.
11h05
